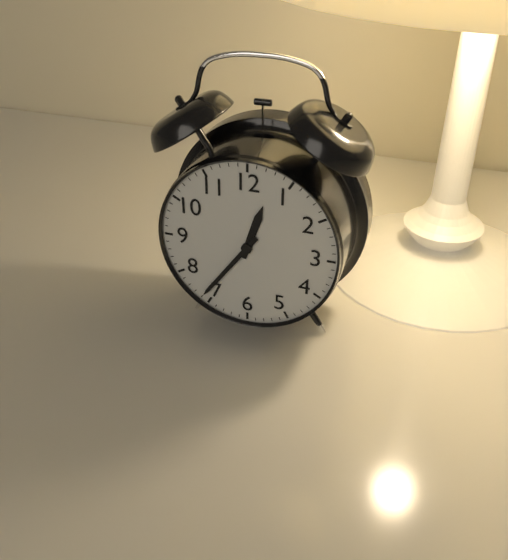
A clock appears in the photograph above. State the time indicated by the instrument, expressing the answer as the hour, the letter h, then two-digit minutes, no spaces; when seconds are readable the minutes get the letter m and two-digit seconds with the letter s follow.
12h36
